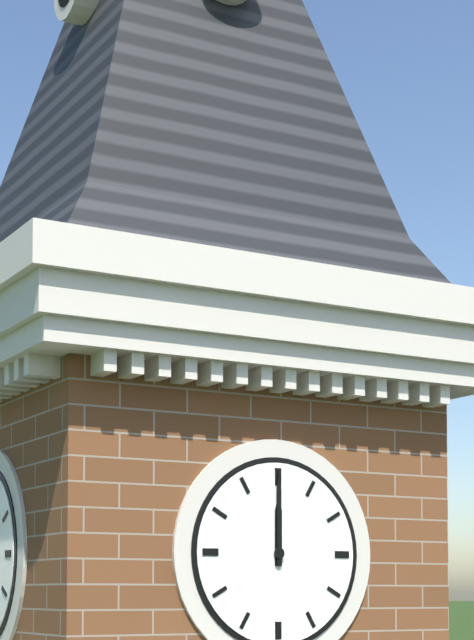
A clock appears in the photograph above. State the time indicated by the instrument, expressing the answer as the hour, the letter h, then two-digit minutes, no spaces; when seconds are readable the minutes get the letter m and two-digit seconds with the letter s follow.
12h00
